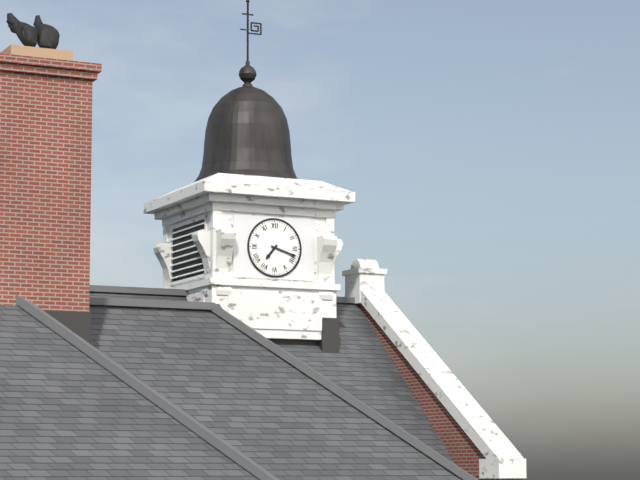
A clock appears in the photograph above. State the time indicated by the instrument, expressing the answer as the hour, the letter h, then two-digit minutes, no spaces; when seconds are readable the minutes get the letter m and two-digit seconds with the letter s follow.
7h18
